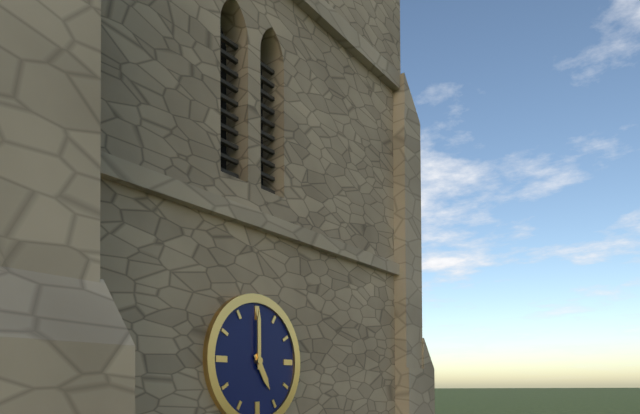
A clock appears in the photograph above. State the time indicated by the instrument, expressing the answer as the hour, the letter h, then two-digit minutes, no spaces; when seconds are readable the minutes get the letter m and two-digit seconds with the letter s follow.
5h00
